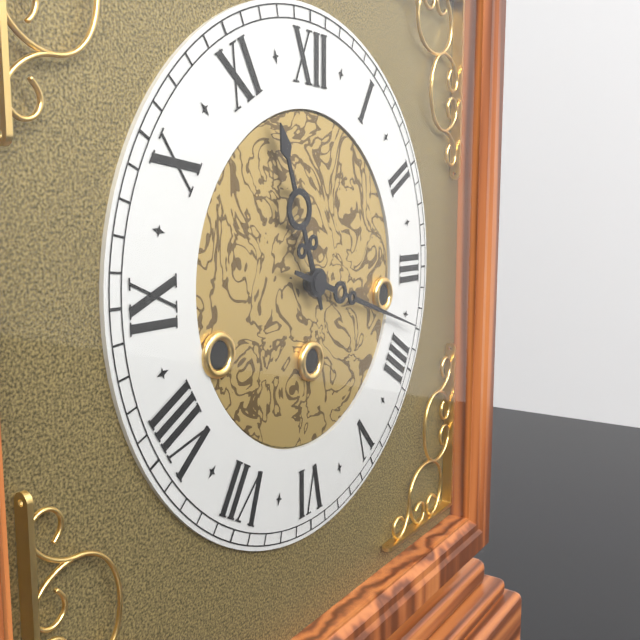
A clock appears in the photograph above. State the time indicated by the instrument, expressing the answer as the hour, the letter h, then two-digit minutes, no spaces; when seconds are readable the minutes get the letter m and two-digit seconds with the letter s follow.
11h18
